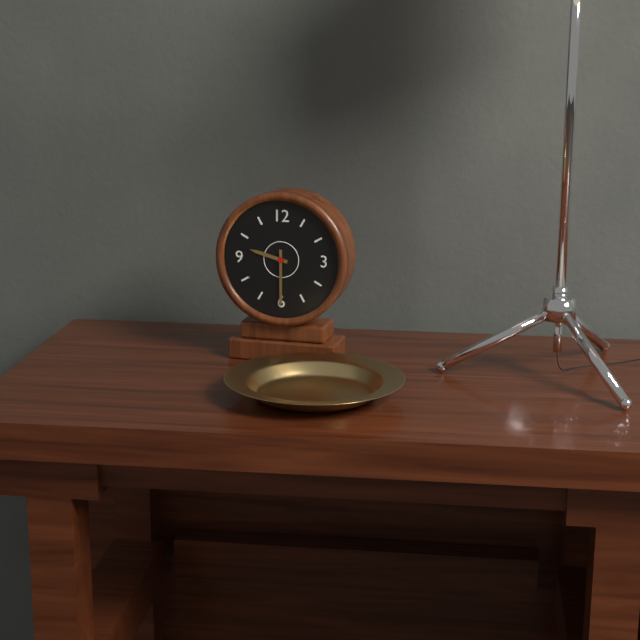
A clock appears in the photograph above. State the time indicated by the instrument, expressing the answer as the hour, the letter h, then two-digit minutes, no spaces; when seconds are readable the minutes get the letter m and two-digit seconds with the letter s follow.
9h30
